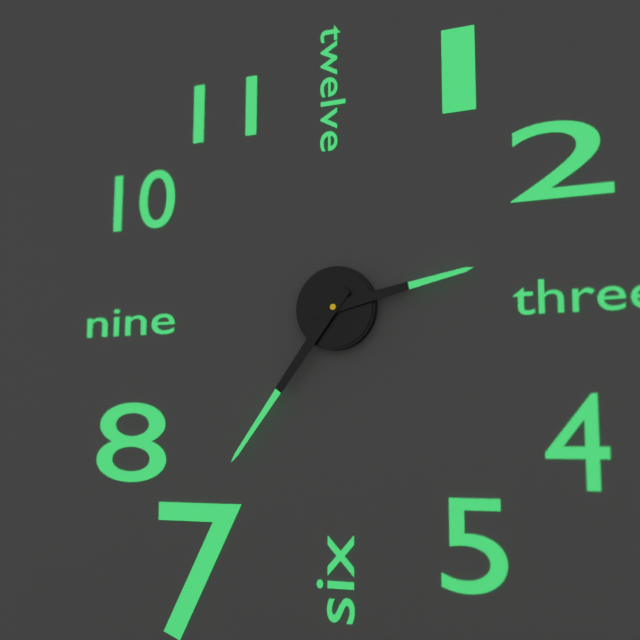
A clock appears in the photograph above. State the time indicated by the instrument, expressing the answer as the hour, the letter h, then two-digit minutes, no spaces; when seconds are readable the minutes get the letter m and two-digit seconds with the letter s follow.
2h36
